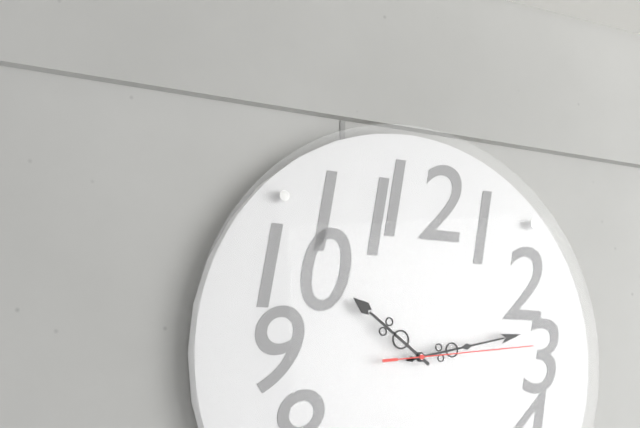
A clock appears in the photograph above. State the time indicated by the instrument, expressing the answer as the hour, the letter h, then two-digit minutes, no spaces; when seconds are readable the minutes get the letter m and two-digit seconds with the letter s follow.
10h13m14s
